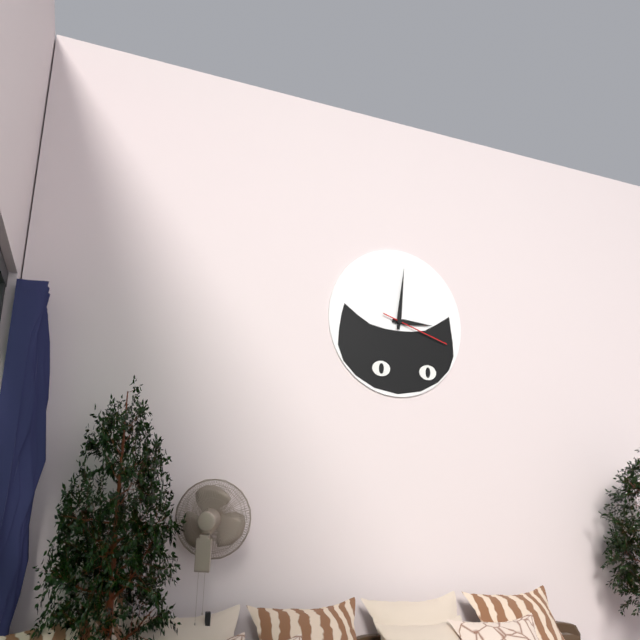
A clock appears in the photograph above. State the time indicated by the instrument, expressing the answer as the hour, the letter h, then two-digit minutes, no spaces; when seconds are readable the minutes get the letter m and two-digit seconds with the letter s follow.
3h01m18s
